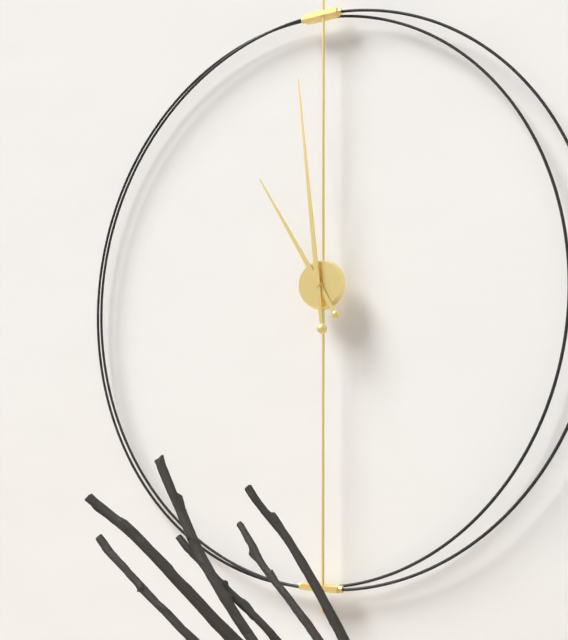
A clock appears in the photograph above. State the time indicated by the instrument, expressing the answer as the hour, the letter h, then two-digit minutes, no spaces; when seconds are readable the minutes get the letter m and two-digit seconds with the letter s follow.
10h59
